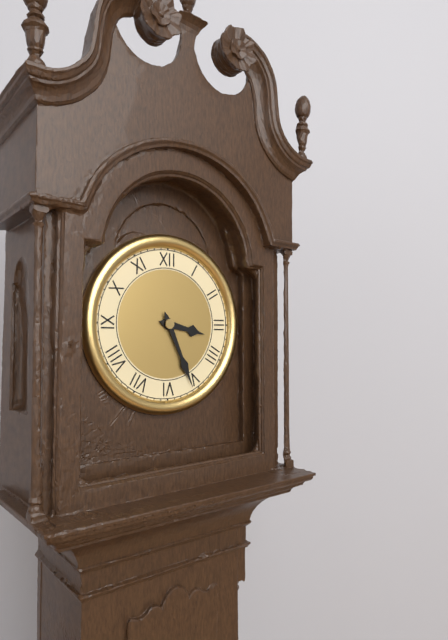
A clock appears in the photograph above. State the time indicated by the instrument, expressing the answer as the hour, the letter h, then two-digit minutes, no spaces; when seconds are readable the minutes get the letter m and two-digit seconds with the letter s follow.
3h26
